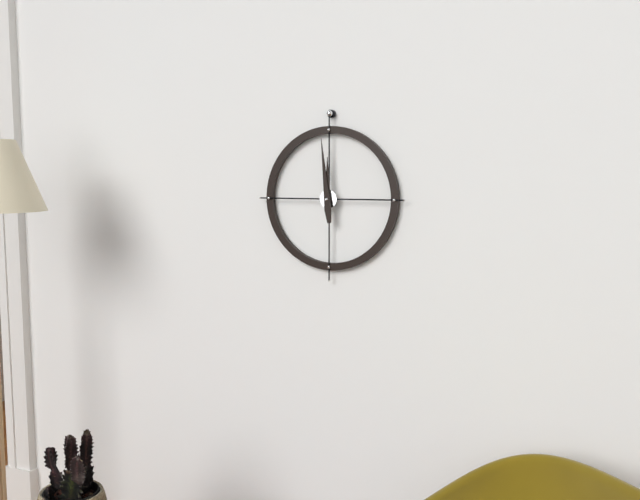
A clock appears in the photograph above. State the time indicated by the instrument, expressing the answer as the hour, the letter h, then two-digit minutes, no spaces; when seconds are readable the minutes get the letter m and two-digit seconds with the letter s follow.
11h59
